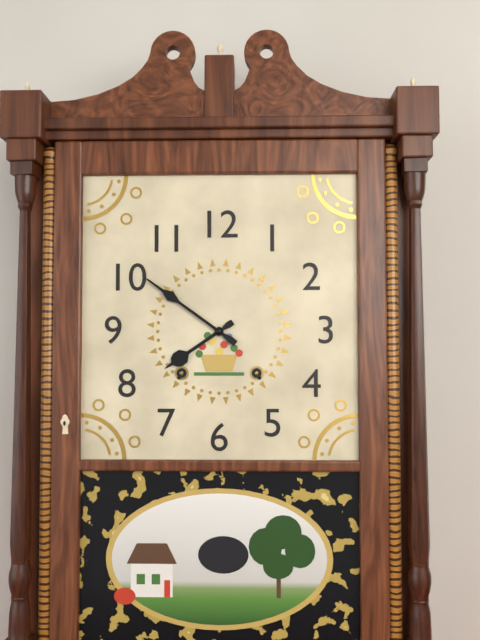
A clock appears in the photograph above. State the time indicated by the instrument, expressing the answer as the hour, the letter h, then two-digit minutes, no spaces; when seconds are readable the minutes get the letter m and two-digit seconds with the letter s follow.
7h51
